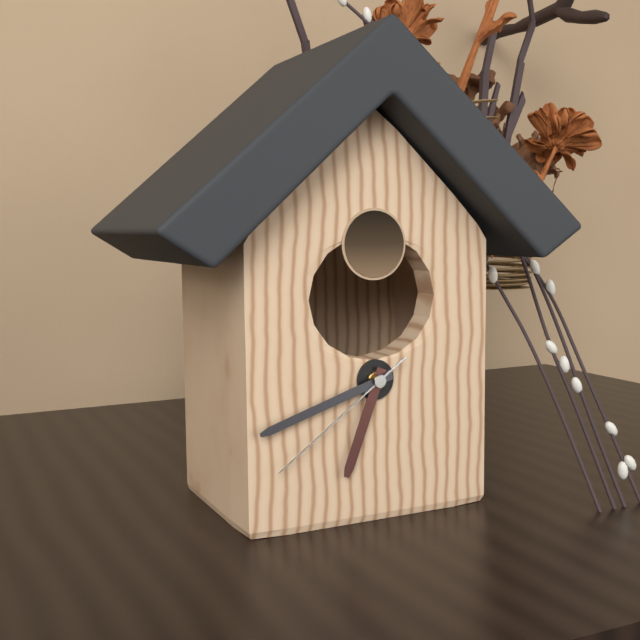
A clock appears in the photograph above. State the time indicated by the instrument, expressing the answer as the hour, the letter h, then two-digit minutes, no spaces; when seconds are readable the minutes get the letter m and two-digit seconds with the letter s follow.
6h42m39s
